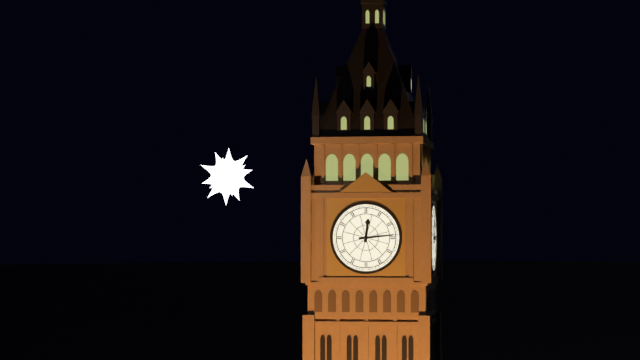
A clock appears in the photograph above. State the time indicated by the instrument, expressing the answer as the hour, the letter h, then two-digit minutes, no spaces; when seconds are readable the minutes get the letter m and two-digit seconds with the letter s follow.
12h14
